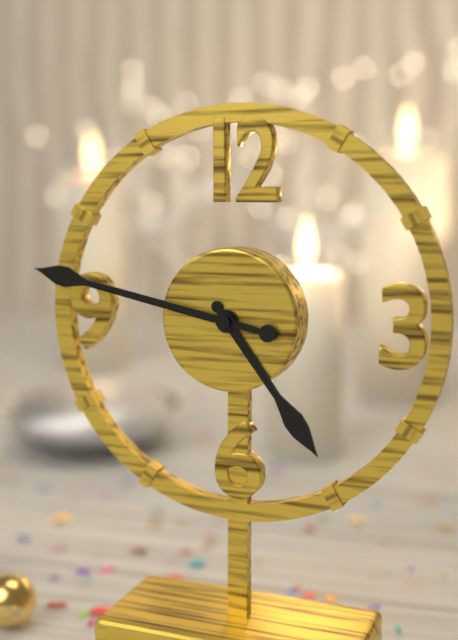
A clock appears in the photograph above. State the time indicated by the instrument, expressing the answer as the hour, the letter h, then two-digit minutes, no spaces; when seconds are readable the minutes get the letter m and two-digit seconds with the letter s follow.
4h47
